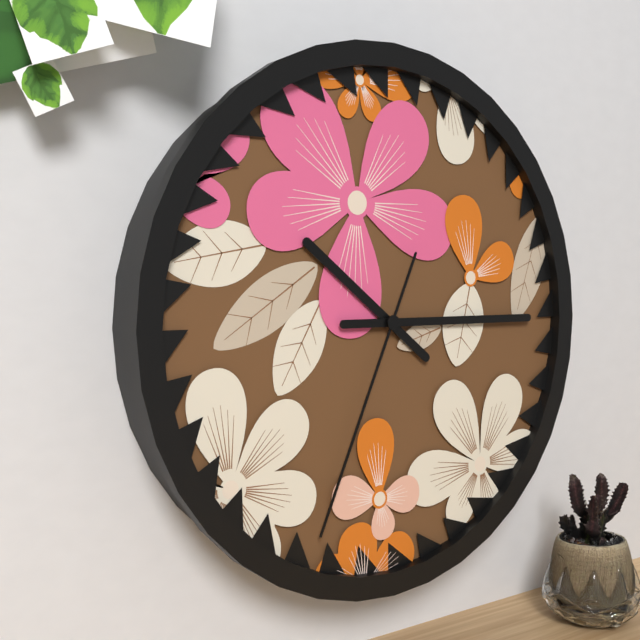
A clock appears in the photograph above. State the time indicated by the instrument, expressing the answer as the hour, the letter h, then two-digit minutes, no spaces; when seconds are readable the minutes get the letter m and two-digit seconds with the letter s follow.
10h15m34s
